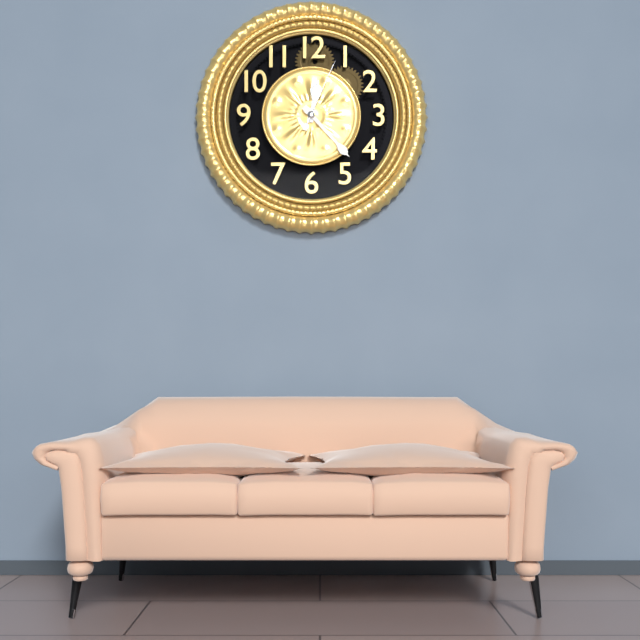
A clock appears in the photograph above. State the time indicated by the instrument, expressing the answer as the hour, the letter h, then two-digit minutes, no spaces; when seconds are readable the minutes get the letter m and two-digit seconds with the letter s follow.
12h23m04s
